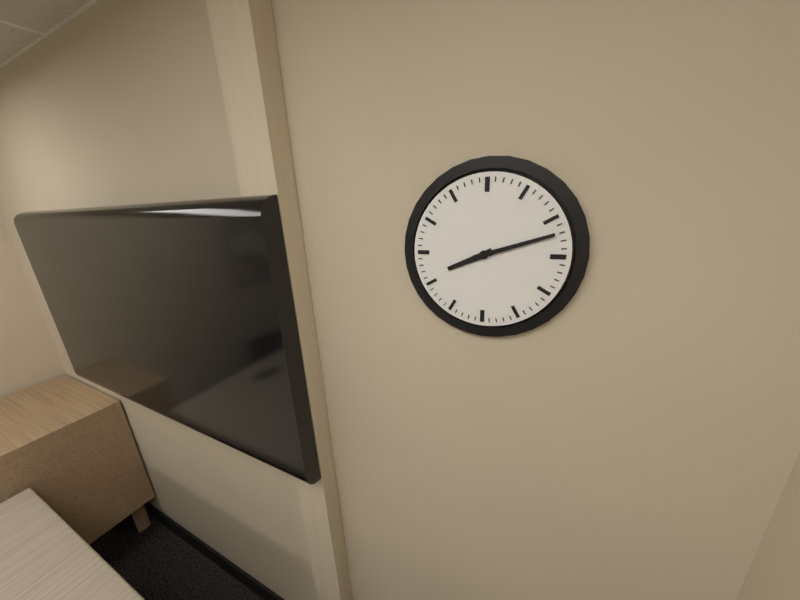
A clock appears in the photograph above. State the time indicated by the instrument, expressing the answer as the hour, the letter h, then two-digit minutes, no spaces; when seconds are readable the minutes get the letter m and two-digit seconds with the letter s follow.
8h12
